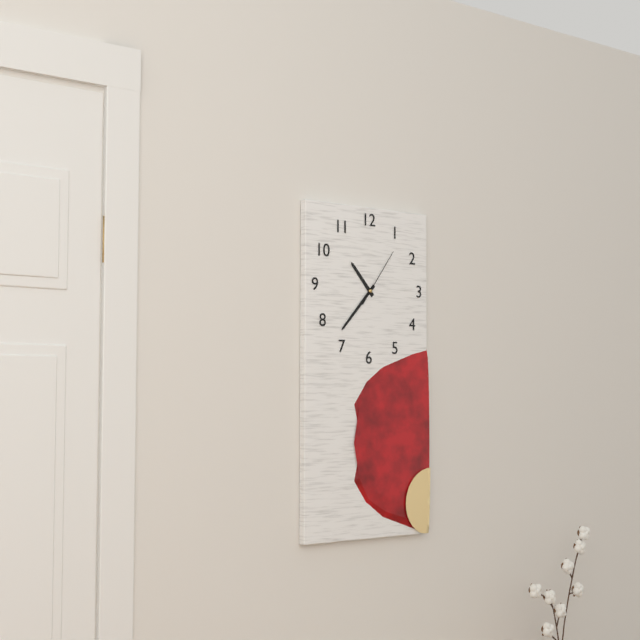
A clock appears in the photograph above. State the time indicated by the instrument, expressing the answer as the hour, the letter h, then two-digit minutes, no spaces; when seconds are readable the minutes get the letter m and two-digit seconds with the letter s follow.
10h37m06s
